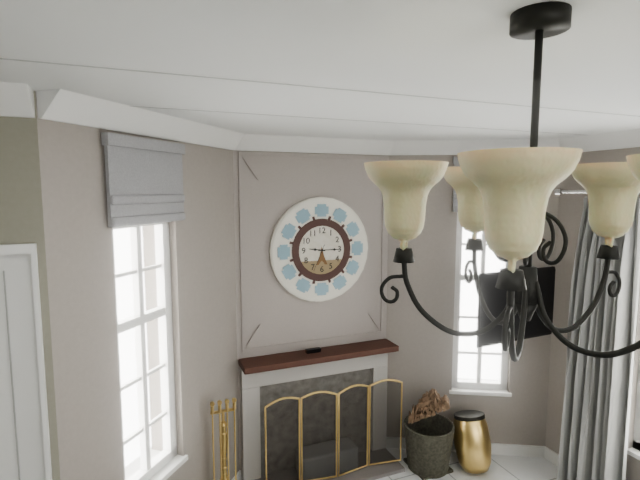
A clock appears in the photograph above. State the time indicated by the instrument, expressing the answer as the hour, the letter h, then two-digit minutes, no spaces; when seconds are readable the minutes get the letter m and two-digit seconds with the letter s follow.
9h15
